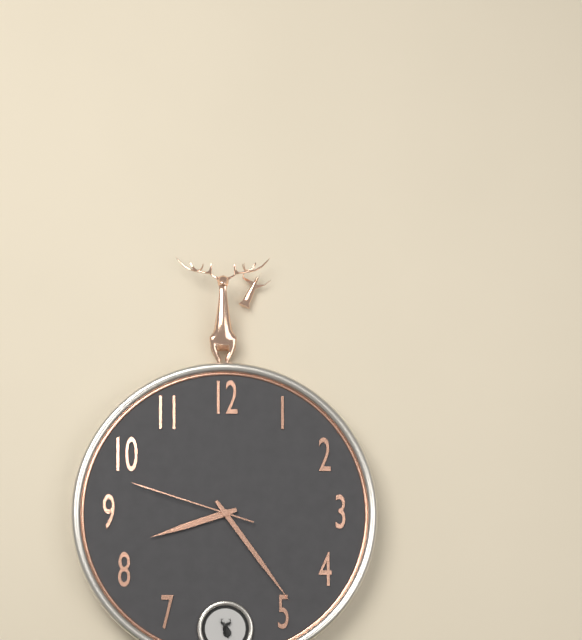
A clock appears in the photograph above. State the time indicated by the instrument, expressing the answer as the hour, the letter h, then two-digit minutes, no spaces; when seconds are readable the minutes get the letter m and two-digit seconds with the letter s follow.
8h24m48s
